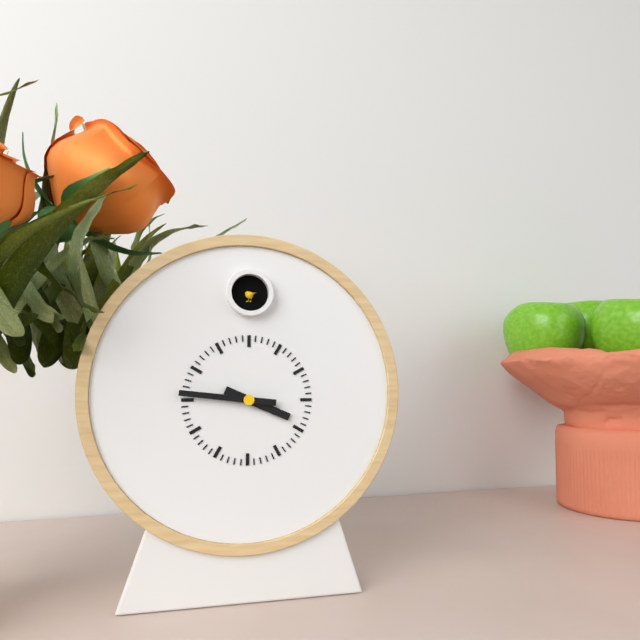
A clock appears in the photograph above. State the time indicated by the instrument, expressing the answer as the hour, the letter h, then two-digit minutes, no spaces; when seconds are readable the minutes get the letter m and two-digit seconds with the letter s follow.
3h46
